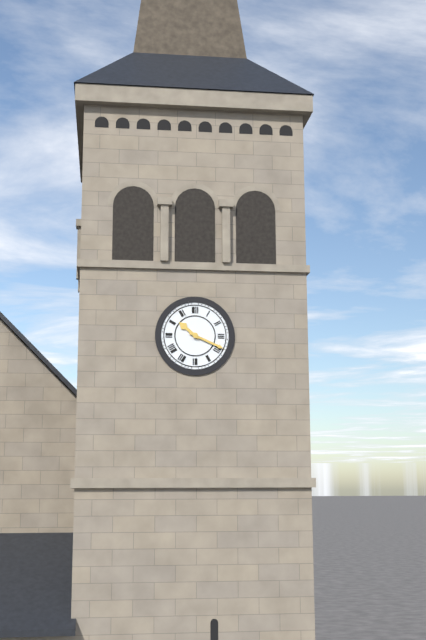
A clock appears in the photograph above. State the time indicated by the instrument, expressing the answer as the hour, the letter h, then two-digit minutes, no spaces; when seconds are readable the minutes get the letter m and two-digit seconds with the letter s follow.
10h19
